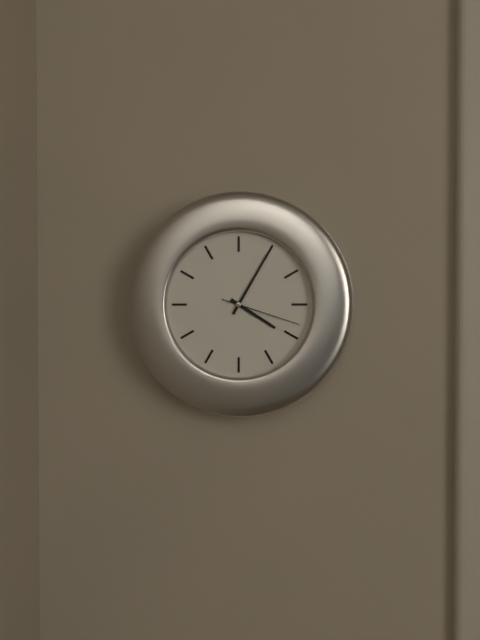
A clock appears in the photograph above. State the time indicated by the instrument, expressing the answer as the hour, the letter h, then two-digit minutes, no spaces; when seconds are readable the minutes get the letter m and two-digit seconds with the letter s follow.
4h05m18s
